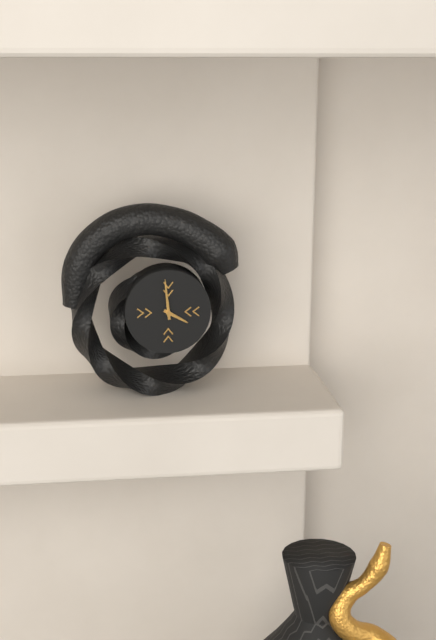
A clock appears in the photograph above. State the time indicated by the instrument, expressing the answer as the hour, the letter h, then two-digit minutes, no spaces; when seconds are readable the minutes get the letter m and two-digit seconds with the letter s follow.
3h59
